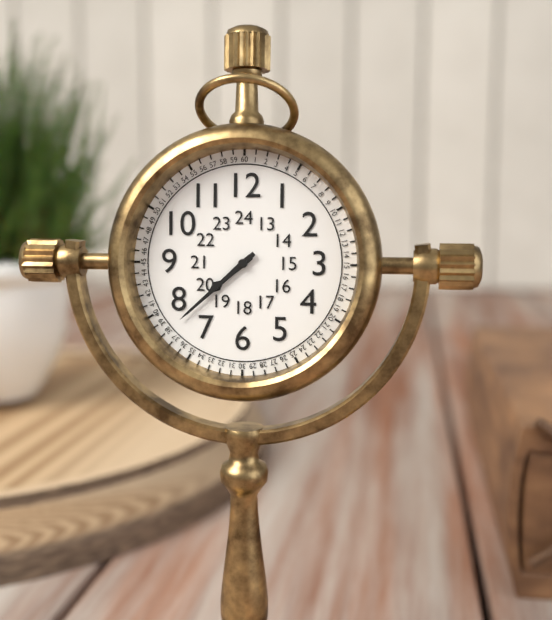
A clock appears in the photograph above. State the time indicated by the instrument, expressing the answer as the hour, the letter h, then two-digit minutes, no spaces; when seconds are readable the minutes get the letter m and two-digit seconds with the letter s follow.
7h38
